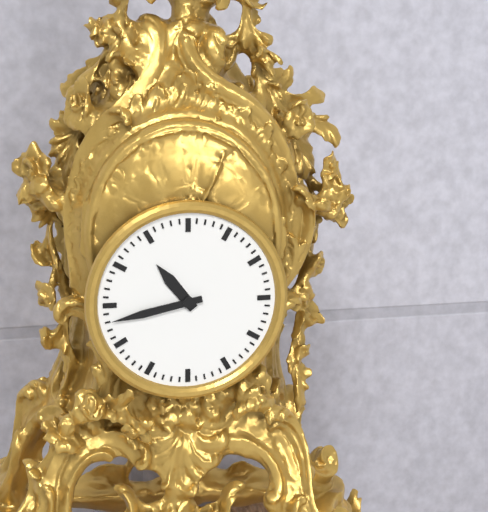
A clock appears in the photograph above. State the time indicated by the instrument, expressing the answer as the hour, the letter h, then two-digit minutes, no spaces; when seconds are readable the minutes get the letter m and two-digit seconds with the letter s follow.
10h43
